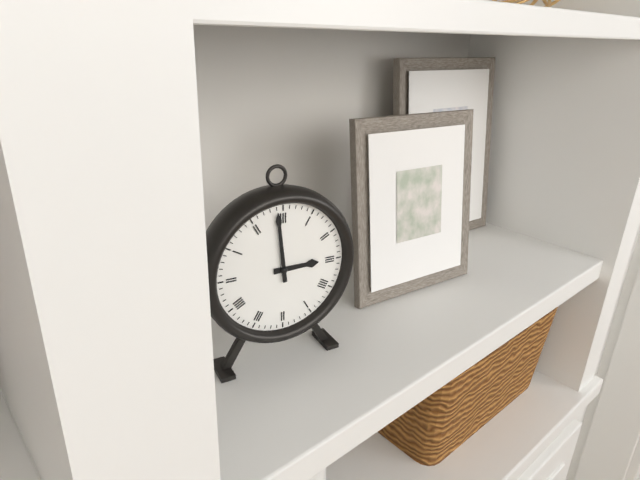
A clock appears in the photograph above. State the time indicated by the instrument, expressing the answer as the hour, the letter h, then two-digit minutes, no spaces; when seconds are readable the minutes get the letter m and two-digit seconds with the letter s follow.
2h59
